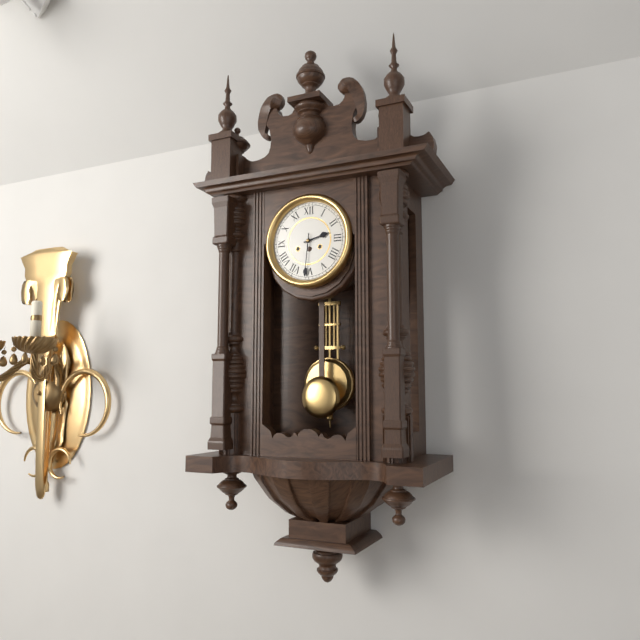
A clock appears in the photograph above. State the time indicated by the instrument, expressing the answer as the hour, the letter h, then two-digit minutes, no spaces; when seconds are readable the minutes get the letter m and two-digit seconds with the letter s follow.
2h31
